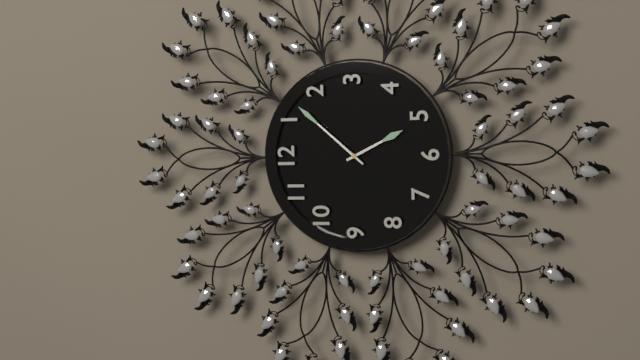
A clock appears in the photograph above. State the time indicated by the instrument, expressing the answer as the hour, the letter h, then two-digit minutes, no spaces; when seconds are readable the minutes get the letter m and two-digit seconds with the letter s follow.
5h07
